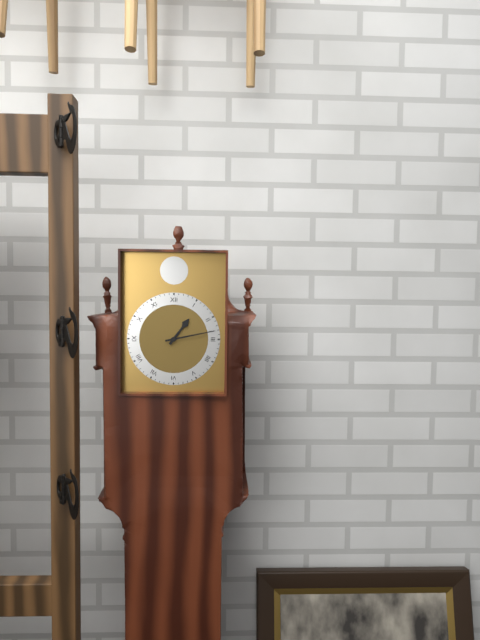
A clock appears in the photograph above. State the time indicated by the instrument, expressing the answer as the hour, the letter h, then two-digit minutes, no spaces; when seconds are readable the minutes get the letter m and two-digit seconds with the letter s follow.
1h13
